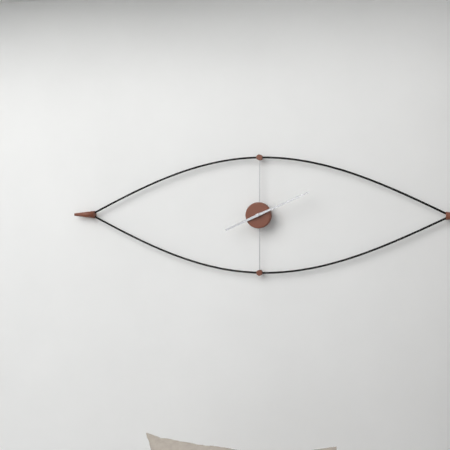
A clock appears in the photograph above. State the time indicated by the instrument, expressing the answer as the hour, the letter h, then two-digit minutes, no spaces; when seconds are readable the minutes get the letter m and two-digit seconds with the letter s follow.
8h11
